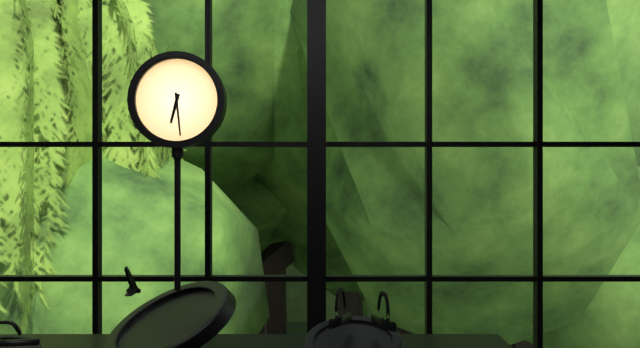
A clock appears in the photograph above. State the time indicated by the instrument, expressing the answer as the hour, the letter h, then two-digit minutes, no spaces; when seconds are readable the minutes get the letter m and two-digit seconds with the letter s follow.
6h29
